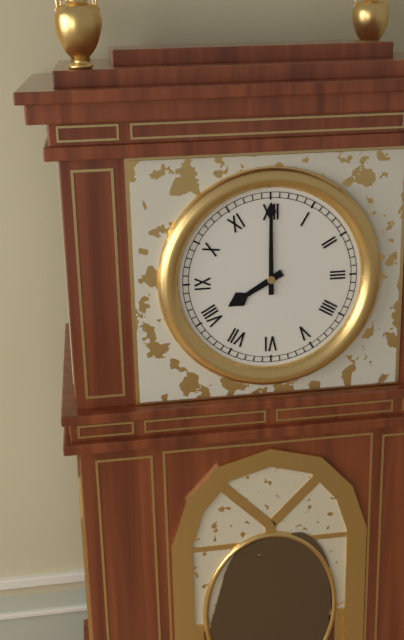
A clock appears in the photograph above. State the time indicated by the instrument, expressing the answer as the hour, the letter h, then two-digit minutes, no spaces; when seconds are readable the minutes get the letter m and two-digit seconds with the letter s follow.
8h00
